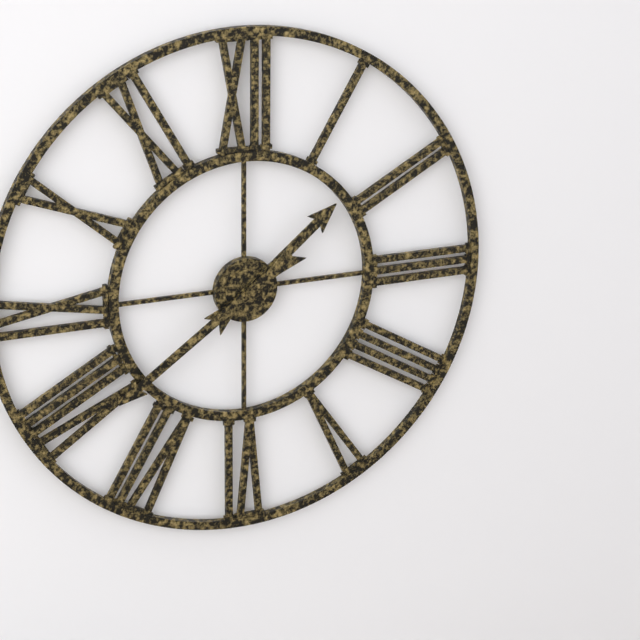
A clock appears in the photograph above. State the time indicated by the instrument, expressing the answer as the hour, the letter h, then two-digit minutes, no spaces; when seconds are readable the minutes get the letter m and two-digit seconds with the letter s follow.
1h39
